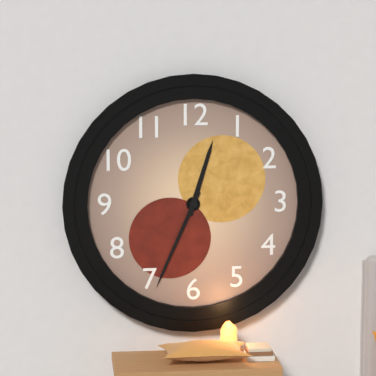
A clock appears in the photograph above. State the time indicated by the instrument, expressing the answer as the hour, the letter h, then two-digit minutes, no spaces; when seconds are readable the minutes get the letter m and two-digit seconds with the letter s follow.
12h34
